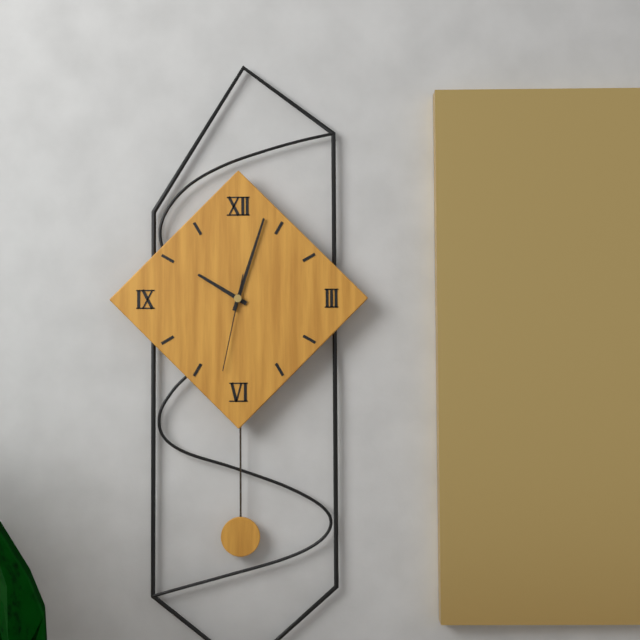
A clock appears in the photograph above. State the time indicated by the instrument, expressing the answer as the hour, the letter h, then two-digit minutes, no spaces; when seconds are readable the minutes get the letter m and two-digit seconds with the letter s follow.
10h03m32s
